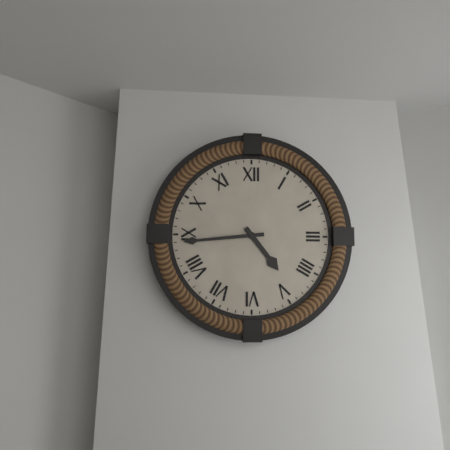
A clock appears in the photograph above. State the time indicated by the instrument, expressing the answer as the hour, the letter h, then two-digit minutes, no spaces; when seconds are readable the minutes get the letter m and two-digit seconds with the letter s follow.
4h44
